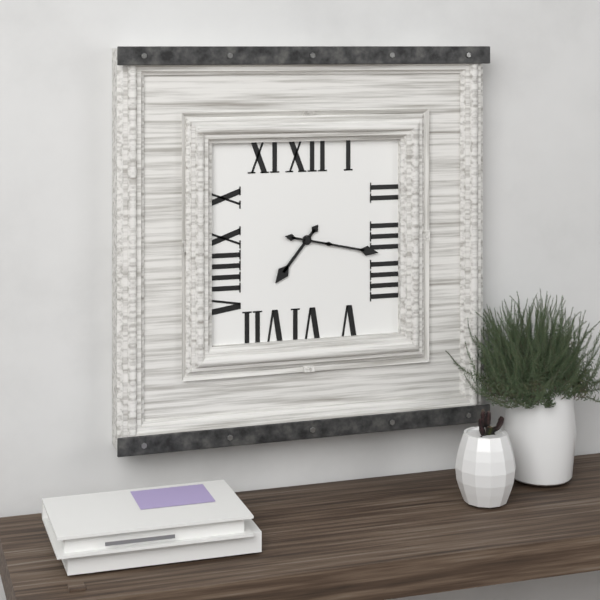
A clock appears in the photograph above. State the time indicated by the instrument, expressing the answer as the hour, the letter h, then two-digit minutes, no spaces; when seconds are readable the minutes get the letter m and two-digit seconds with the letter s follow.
7h17
